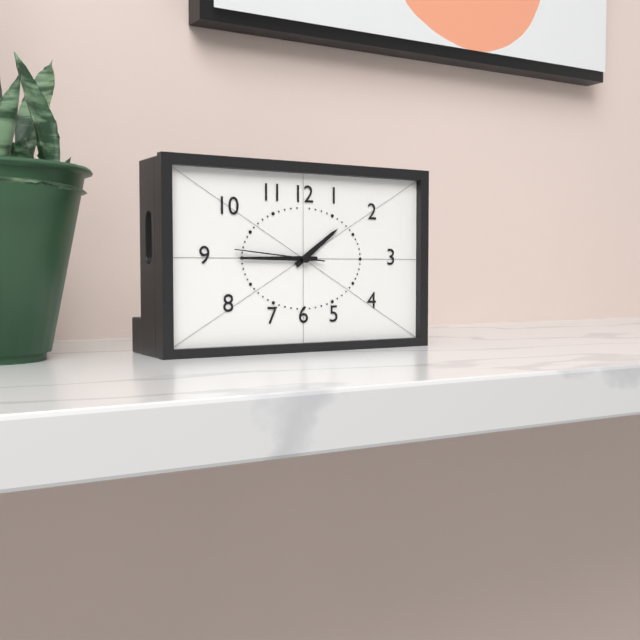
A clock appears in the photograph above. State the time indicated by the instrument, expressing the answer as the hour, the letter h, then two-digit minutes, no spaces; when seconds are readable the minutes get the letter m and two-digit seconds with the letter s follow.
1h45m46s
